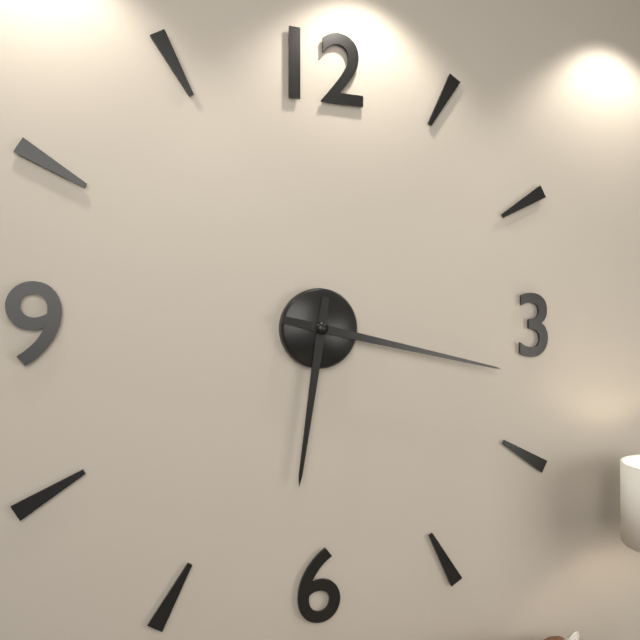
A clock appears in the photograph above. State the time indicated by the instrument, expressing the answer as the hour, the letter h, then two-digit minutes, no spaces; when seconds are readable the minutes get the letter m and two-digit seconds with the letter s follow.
6h17
